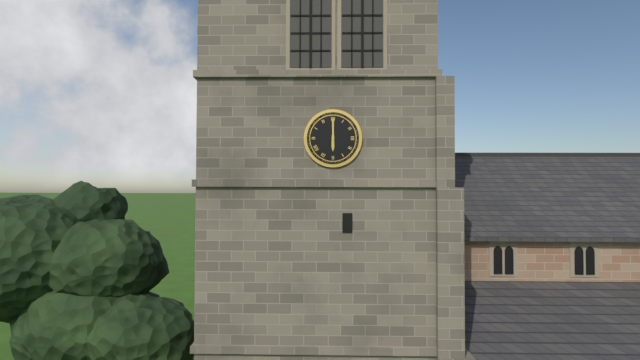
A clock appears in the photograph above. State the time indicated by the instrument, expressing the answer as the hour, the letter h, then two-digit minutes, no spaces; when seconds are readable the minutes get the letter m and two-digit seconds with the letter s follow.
6h00
